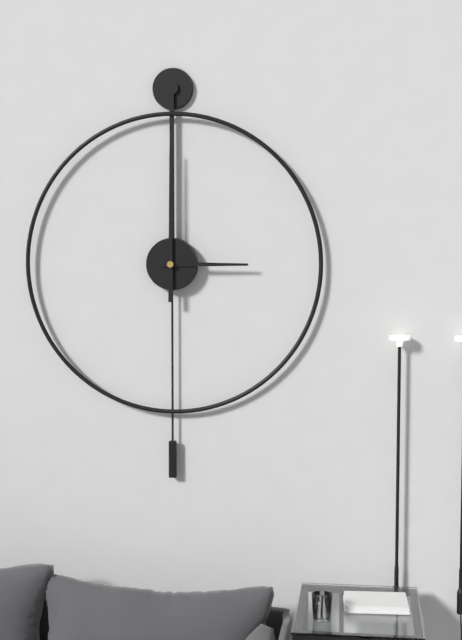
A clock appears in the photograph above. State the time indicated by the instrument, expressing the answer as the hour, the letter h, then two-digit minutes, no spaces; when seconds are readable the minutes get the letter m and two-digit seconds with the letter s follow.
3h00
